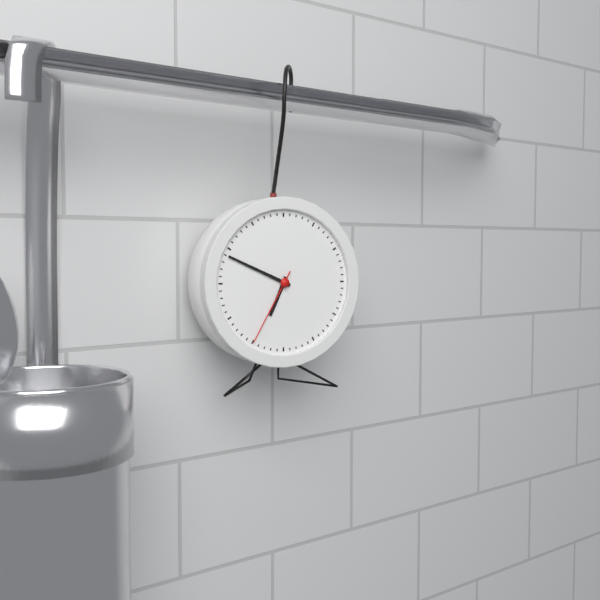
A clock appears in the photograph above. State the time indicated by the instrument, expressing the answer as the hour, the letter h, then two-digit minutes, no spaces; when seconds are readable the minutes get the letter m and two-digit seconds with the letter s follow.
6h49m35s
